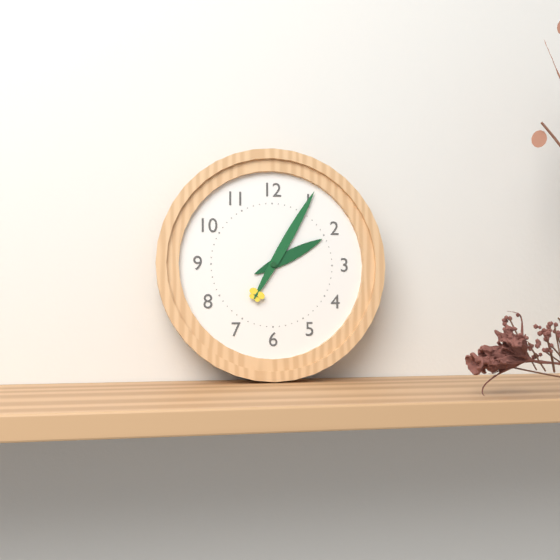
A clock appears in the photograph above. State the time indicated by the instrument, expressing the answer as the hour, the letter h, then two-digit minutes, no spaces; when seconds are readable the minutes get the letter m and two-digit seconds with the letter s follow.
2h05
